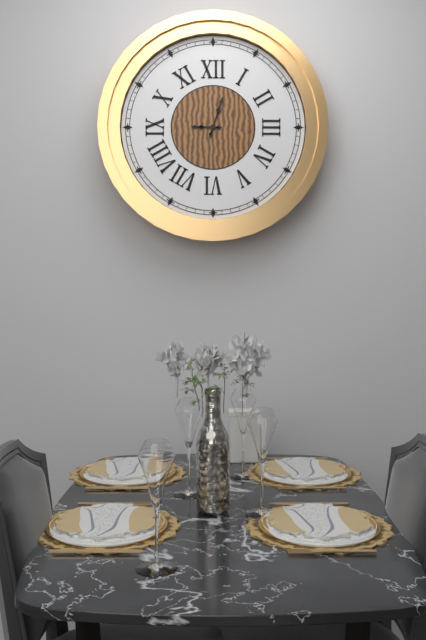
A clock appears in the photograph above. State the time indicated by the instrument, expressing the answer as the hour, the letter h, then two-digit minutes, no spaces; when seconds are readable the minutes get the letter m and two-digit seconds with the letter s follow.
9h03
